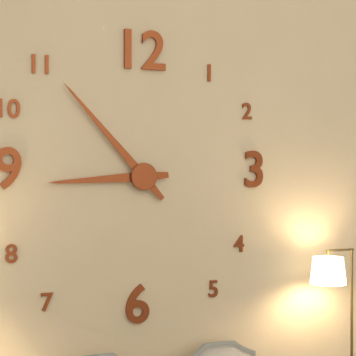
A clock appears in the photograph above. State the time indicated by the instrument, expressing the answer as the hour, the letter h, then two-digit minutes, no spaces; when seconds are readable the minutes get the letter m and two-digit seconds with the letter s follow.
8h53
